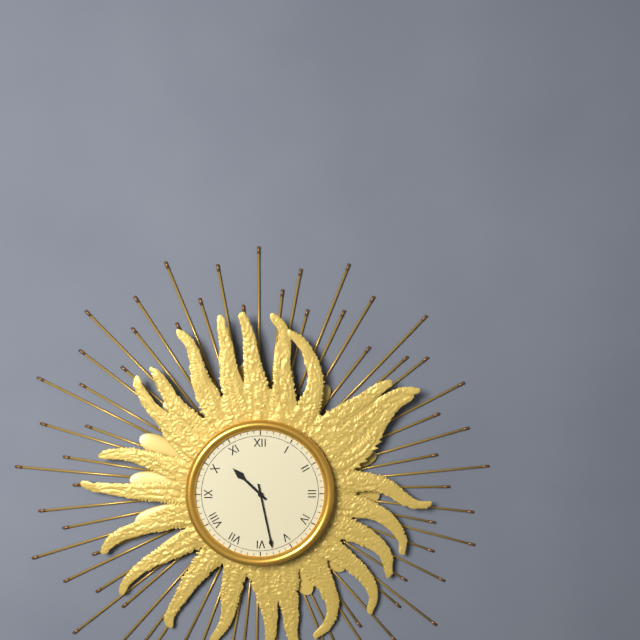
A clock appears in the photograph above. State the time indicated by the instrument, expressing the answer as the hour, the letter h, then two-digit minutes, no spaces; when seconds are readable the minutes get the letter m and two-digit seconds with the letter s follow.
10h28
